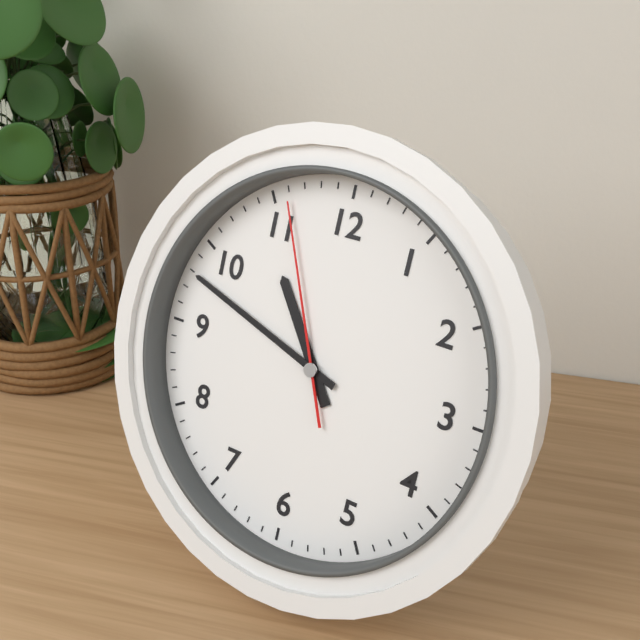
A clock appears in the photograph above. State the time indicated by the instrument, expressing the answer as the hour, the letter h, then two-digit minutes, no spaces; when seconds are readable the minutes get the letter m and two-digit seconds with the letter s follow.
10h48m56s
